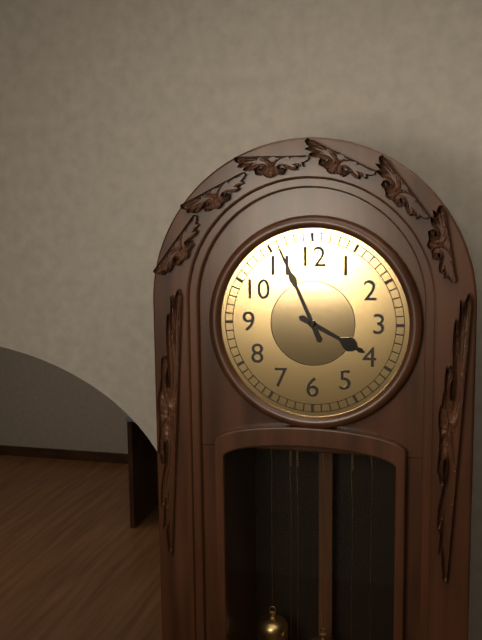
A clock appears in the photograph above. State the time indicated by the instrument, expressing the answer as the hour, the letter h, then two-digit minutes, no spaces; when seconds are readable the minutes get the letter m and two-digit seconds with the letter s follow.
3h56
